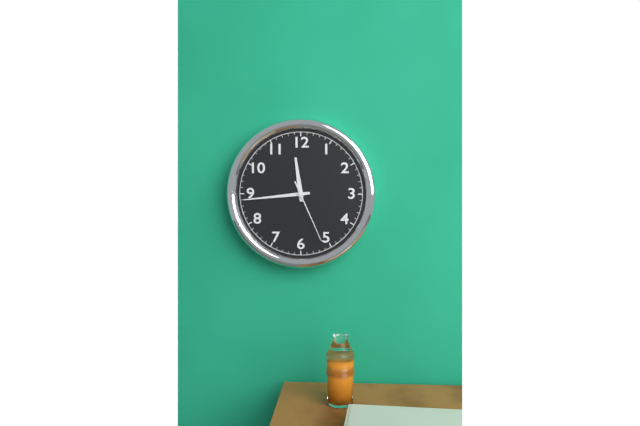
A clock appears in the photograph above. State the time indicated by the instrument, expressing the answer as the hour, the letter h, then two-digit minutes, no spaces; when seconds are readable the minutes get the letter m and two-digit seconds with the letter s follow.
11h44m26s
